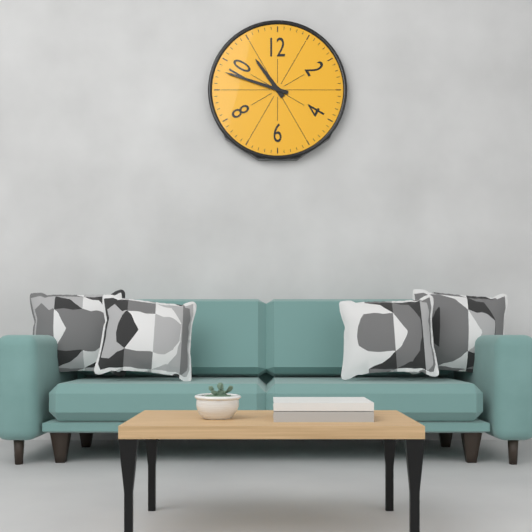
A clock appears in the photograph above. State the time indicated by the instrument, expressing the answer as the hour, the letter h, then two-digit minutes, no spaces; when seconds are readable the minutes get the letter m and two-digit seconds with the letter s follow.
10h48
